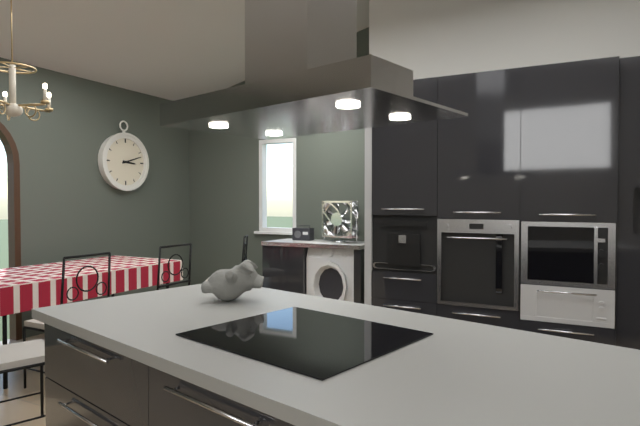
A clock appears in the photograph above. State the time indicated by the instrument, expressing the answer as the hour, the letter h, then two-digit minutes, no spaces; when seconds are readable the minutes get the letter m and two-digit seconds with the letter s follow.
3h12
